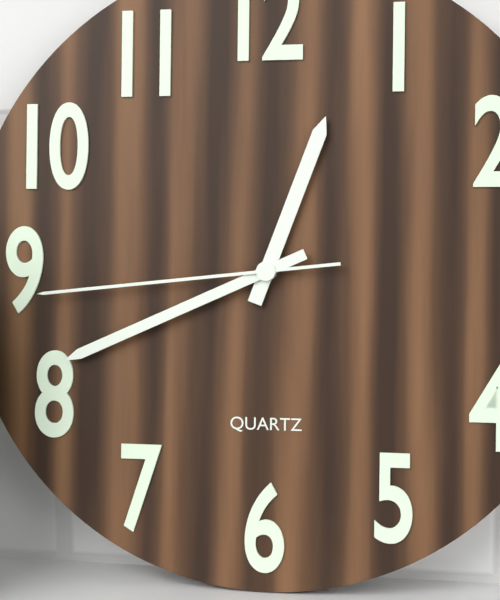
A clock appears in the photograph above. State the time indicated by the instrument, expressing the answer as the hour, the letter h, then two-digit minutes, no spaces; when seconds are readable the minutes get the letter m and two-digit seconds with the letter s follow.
12h41m44s
